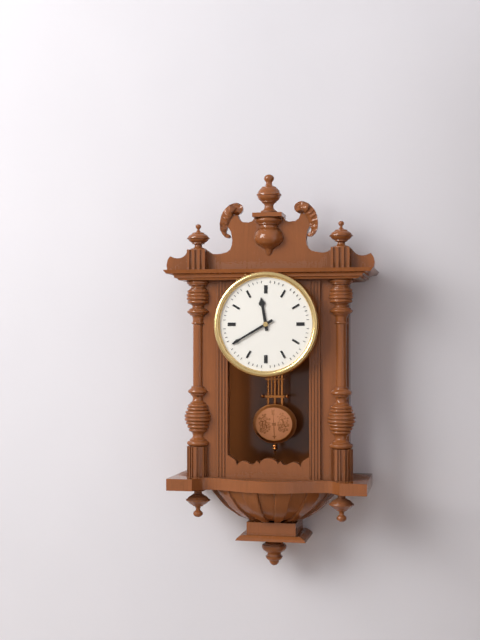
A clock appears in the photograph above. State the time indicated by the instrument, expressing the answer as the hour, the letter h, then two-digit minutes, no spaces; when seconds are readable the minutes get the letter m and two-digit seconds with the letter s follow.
11h40
